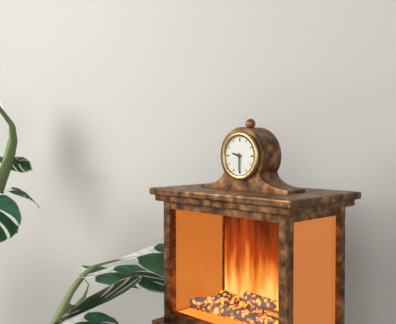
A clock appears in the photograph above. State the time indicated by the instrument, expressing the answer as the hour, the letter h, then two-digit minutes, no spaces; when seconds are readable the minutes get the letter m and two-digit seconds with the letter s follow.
9h30
